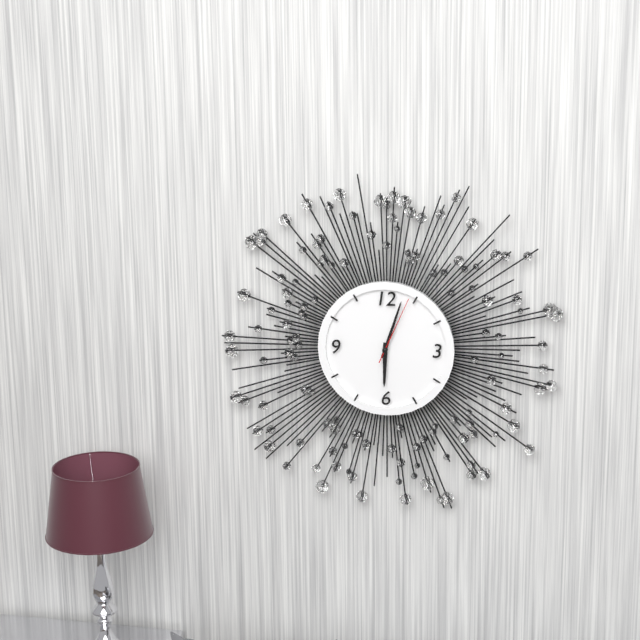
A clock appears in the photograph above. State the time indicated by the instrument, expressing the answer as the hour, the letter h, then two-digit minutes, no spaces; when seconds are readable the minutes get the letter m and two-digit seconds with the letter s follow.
6h03m04s
